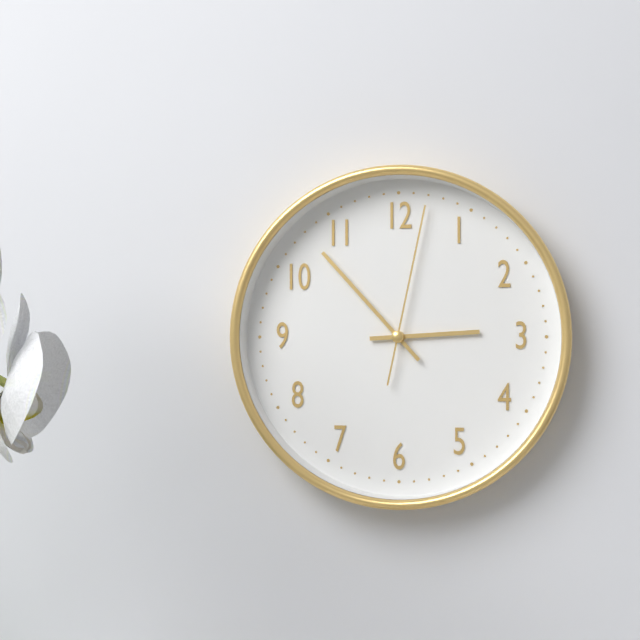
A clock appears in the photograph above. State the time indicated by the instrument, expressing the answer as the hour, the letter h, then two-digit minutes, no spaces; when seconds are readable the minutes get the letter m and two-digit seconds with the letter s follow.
2h53m02s
